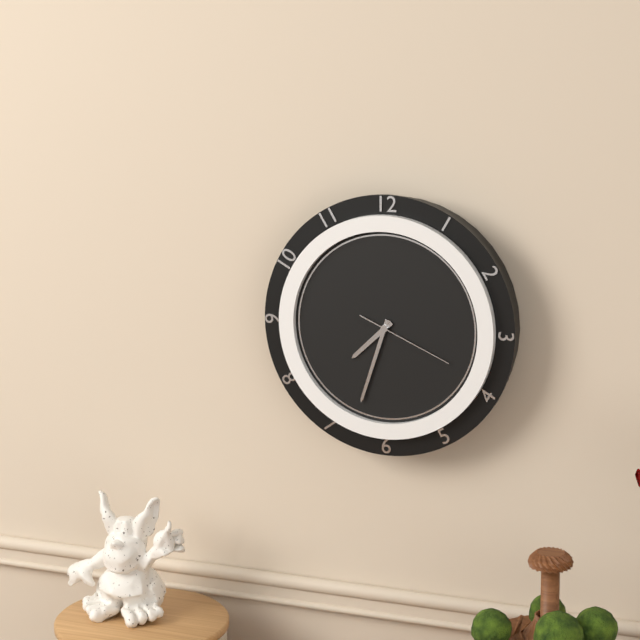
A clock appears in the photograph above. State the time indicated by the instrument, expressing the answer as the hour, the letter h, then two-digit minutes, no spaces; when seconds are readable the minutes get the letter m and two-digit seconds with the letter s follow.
7h33m19s
